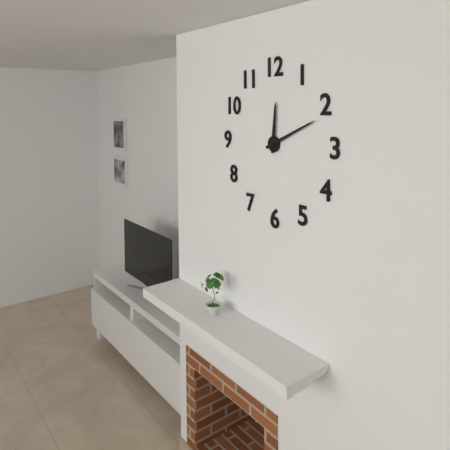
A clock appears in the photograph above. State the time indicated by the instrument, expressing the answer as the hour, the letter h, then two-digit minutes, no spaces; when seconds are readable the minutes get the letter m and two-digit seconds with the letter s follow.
12h11
